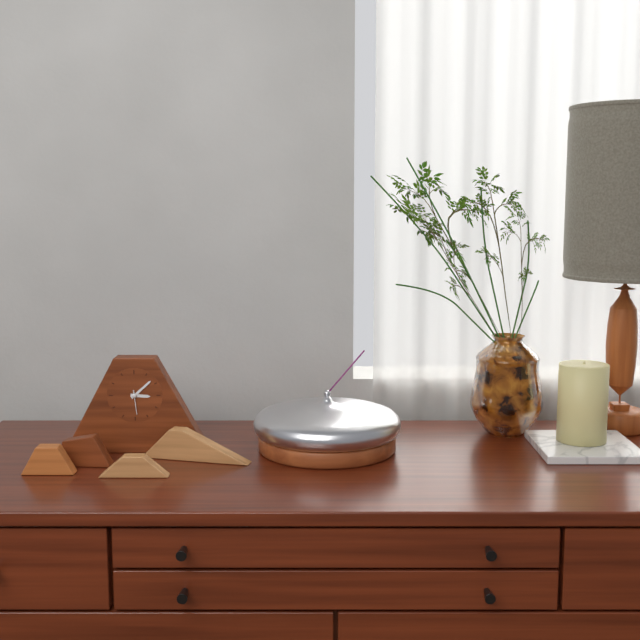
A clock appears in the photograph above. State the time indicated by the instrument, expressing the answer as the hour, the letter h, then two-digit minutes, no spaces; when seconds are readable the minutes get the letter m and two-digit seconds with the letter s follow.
3h08
